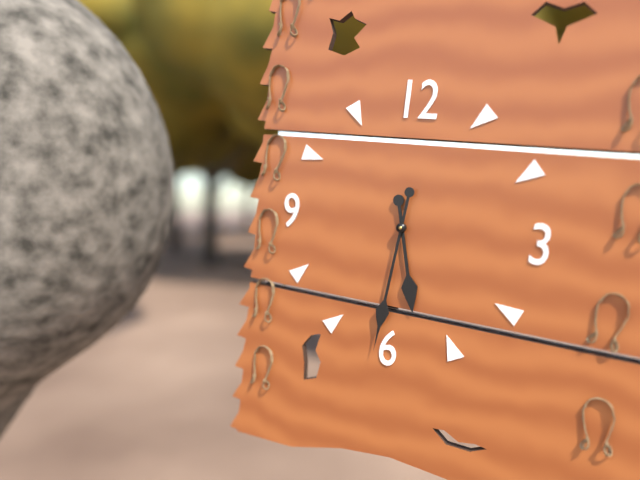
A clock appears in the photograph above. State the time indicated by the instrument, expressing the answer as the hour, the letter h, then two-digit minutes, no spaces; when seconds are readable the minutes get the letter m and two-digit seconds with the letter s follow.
5h31
